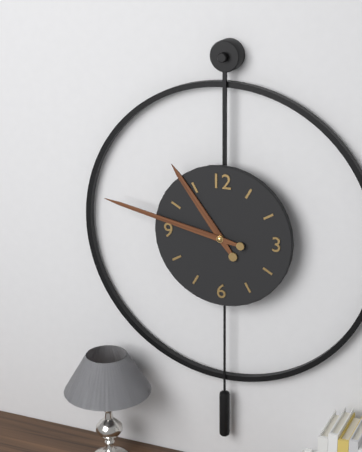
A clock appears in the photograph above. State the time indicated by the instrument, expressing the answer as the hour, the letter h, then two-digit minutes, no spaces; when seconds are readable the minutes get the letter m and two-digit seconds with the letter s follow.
10h47
